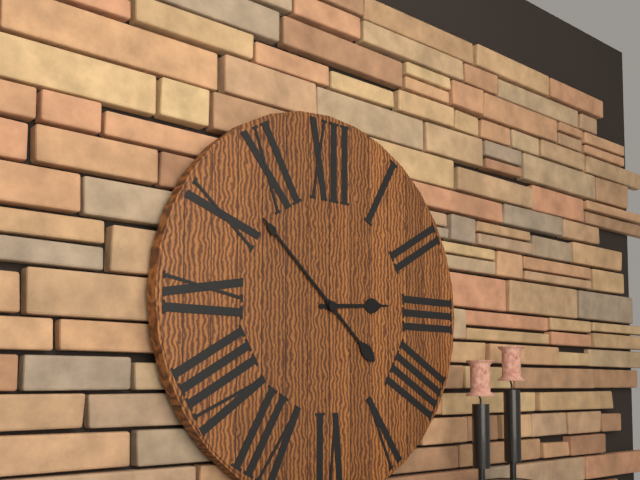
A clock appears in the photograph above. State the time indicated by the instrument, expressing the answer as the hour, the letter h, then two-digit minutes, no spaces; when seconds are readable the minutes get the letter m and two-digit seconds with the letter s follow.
2h52
